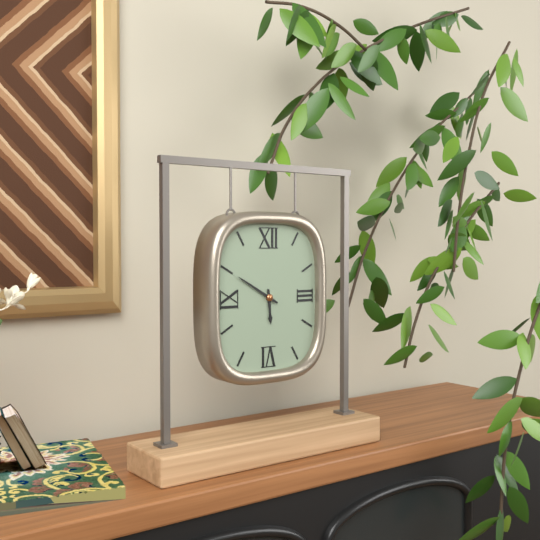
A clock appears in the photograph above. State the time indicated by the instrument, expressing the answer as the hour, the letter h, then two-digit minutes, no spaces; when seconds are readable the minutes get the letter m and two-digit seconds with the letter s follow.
5h50
